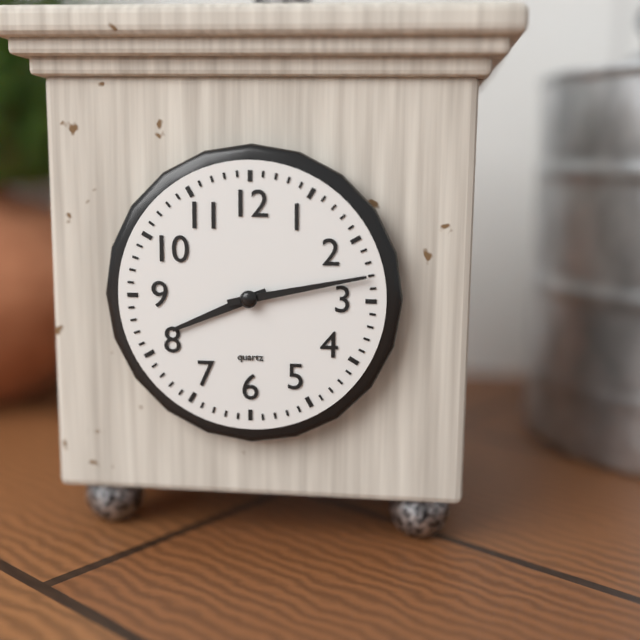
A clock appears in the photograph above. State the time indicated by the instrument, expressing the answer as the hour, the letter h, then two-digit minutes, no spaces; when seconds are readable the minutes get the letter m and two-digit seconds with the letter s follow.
8h13
